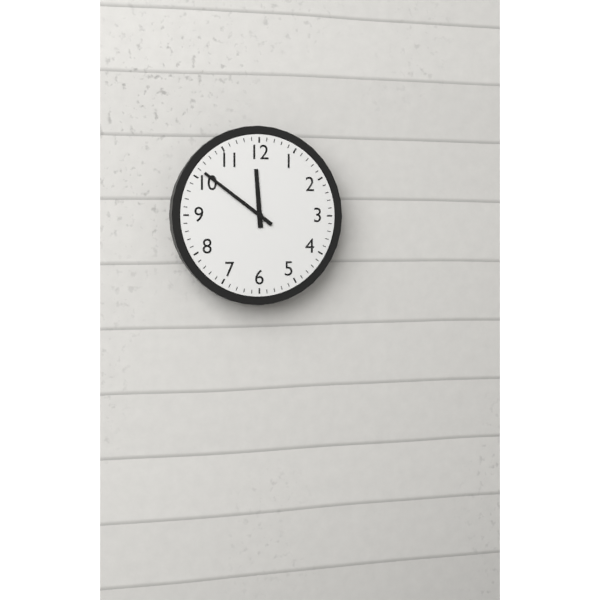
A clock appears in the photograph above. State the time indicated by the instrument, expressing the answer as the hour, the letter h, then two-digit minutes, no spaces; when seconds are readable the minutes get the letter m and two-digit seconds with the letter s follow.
11h51
